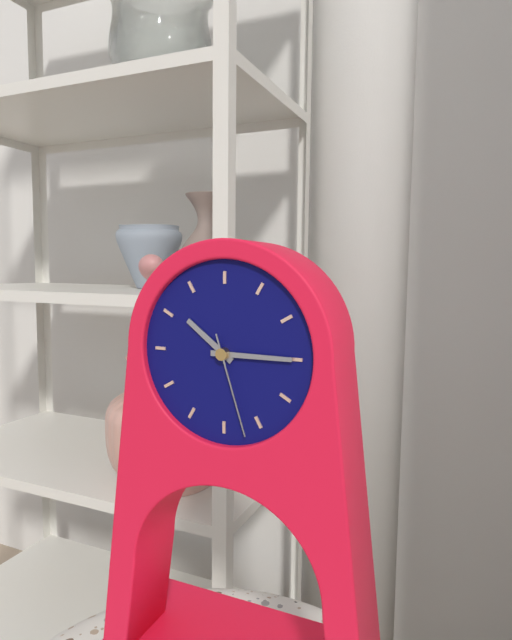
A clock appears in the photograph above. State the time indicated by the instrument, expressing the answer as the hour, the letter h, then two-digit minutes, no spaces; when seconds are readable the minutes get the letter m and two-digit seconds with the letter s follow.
10h15m27s
